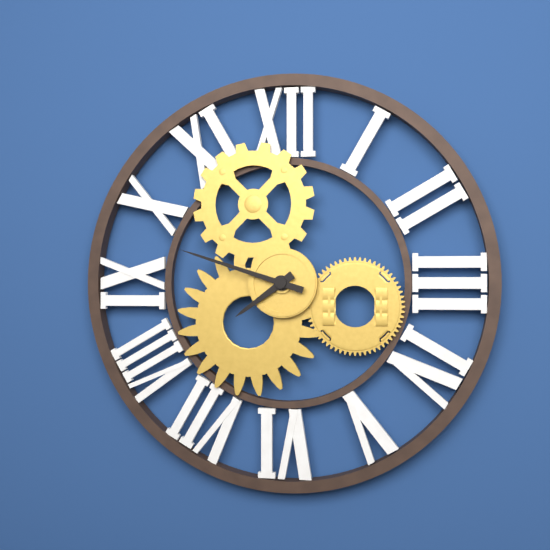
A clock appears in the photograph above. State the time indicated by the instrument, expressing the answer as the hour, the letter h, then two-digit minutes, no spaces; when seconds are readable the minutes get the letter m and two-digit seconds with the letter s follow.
7h48
